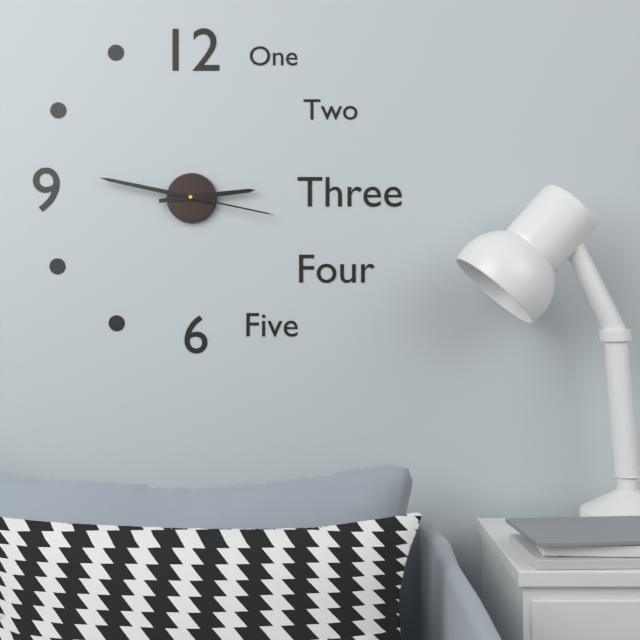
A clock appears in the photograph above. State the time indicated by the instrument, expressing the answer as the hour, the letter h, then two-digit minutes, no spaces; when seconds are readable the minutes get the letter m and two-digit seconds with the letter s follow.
2h47m17s
